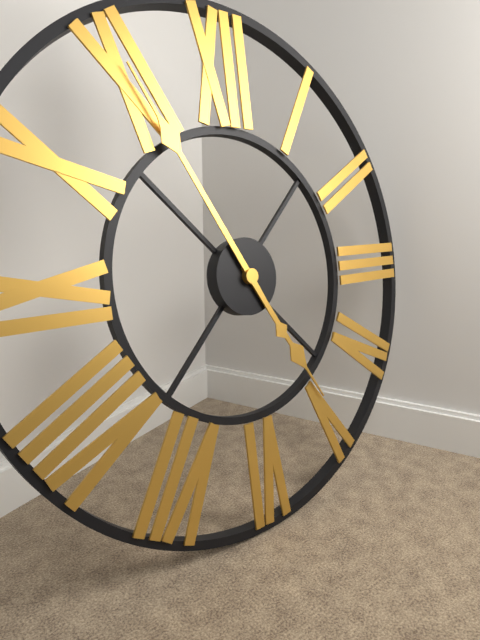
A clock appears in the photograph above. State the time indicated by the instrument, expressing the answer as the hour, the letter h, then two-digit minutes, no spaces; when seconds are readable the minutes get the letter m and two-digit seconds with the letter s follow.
4h55
